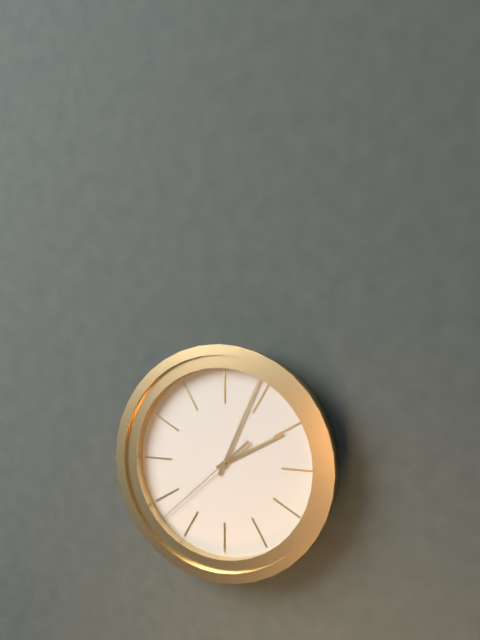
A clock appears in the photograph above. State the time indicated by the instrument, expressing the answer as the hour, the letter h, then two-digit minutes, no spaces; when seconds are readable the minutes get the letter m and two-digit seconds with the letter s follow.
2h04m38s
